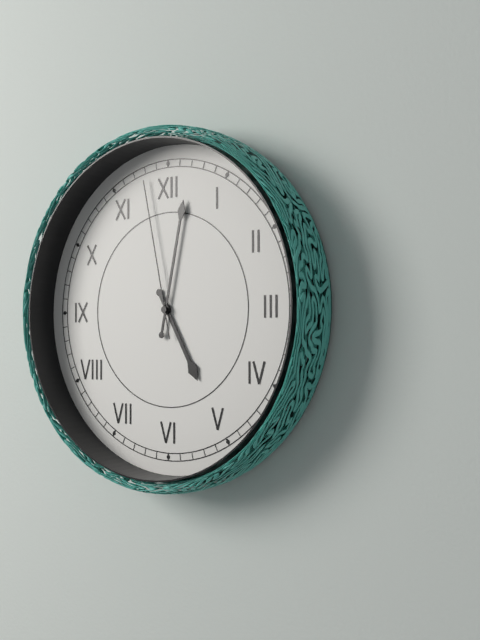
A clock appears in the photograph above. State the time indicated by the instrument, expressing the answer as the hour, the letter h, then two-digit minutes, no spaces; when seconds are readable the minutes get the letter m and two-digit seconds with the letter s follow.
5h02m58s
